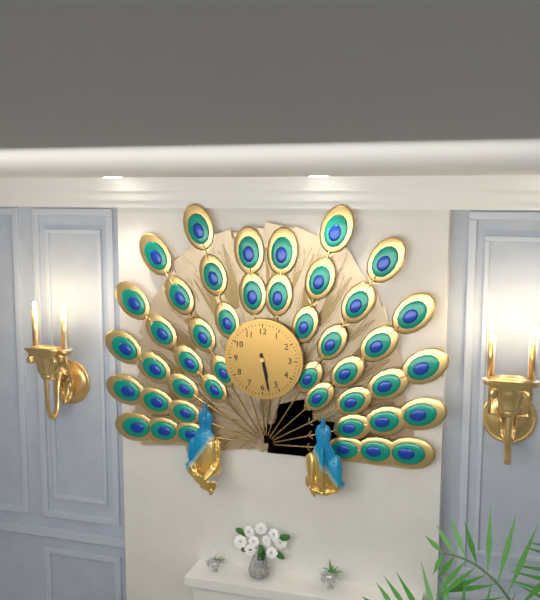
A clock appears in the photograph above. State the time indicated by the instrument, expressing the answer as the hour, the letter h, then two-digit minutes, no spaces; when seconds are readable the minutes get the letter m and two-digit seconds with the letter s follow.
5h28
